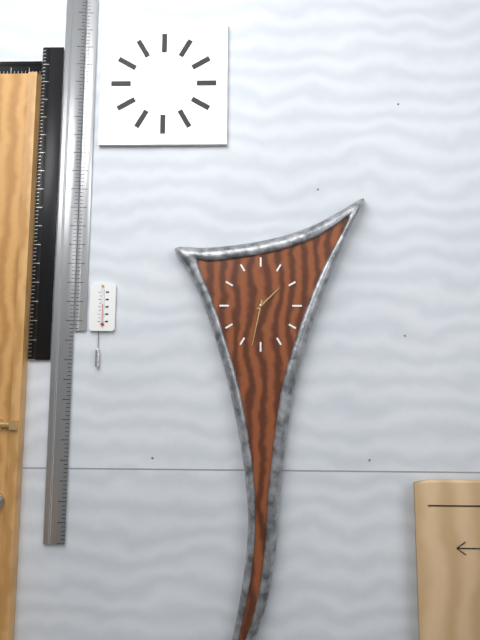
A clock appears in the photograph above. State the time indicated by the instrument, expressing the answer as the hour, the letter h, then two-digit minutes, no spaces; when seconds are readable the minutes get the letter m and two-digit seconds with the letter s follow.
1h32
